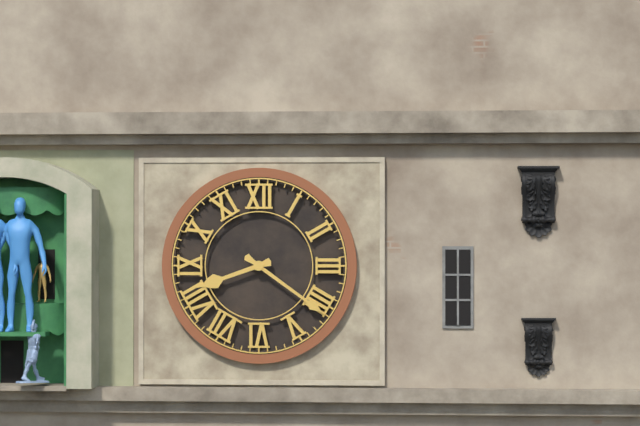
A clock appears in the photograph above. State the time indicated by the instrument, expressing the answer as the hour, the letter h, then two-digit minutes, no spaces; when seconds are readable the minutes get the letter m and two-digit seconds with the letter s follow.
8h21
